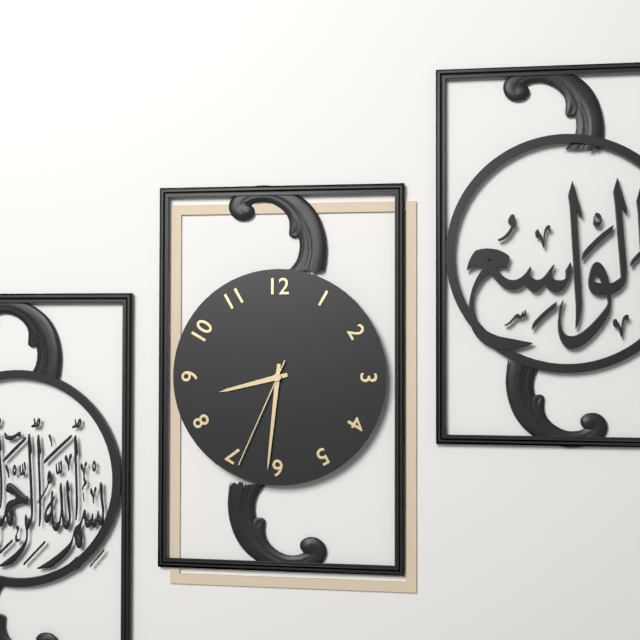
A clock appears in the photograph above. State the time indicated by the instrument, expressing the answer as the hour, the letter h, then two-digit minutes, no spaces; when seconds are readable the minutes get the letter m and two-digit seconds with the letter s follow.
8h31m34s
